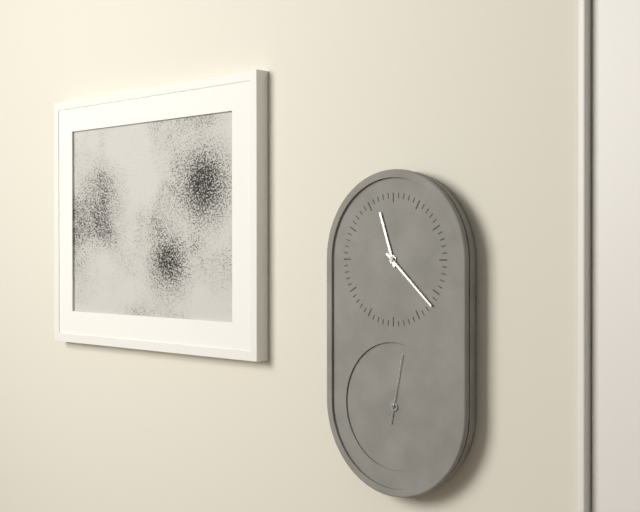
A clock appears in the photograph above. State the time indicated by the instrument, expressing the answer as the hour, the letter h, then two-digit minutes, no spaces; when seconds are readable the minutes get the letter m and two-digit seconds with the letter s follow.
11h22m02s
